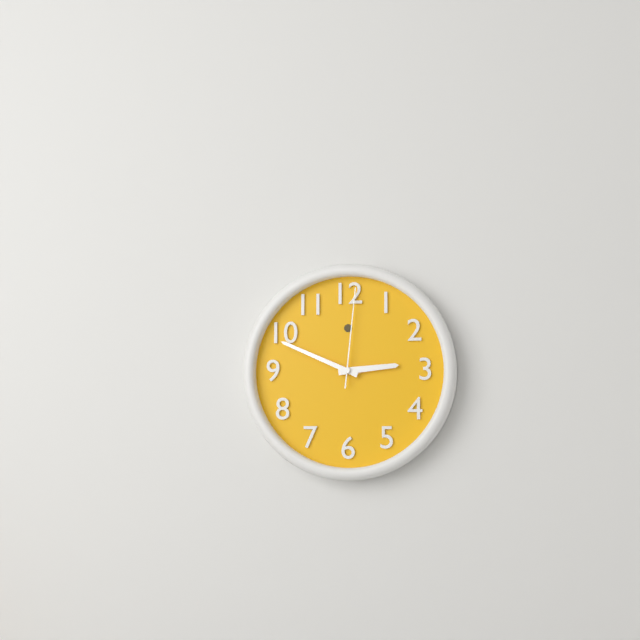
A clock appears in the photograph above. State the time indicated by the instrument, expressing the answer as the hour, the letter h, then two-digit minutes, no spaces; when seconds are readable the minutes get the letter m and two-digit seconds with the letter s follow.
2h49m01s
